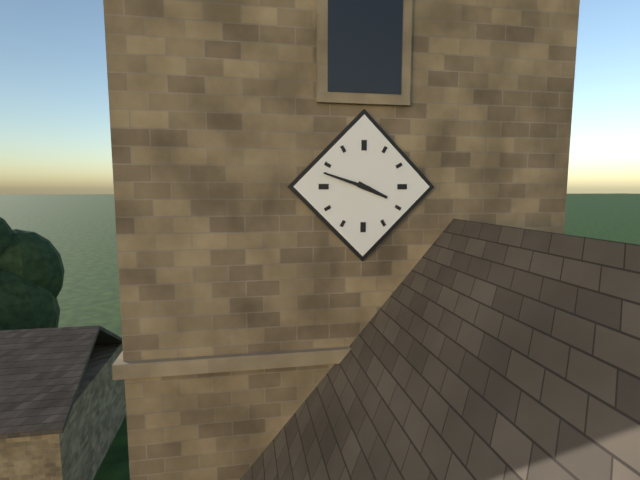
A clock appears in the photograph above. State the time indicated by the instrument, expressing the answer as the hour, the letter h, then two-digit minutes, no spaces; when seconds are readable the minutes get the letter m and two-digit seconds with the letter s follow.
3h48
